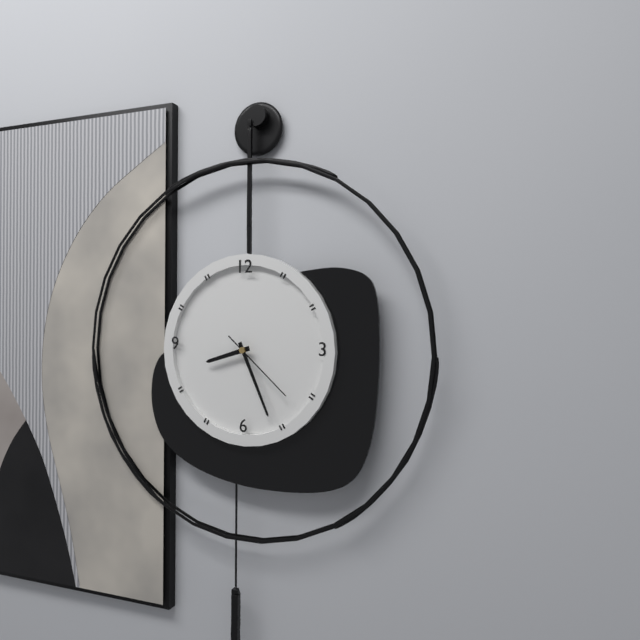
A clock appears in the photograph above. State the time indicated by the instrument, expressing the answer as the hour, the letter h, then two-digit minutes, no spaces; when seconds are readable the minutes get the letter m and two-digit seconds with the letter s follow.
8h26m22s
